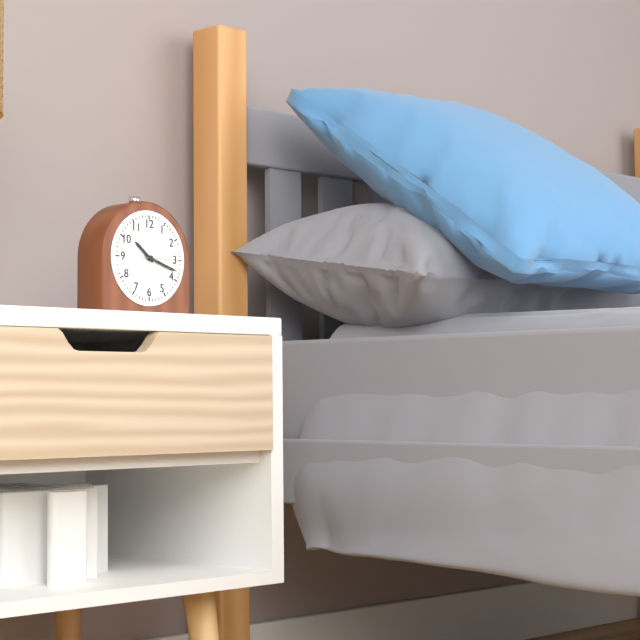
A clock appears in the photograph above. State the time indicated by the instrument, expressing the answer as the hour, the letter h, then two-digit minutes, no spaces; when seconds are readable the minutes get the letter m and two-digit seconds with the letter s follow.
10h18
